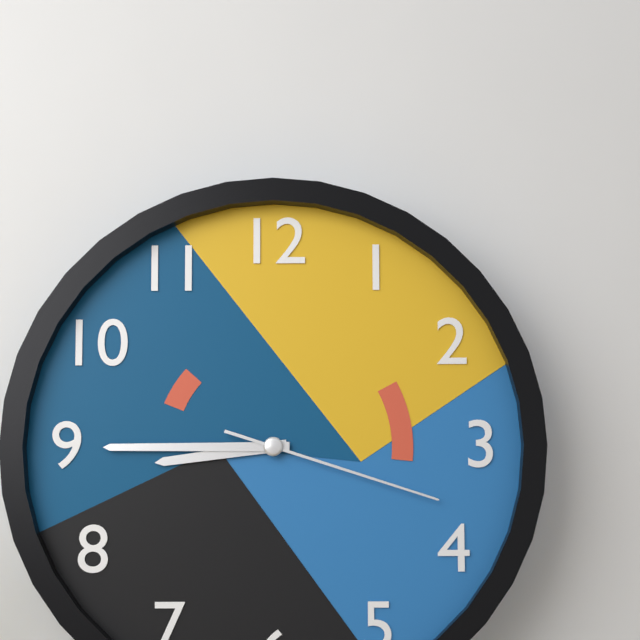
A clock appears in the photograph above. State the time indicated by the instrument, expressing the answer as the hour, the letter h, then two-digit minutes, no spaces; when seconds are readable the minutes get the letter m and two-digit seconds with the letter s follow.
8h45m18s
